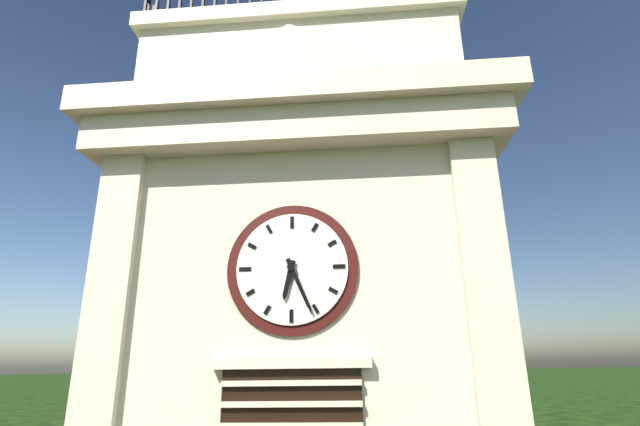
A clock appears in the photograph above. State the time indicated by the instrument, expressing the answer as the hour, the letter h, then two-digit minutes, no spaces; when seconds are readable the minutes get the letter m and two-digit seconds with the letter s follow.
6h26
